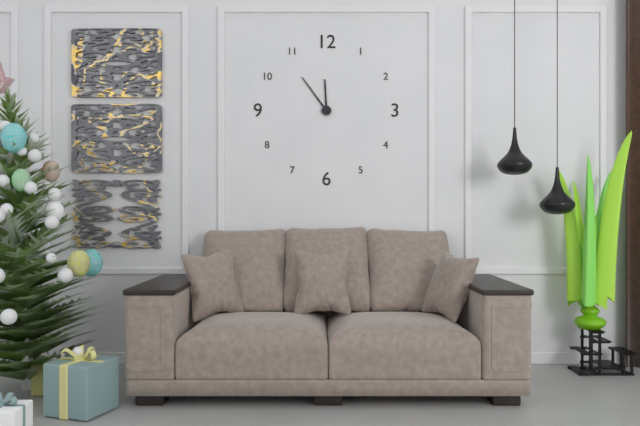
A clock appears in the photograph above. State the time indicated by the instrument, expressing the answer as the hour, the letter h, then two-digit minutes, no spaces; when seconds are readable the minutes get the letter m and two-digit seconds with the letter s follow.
11h54
